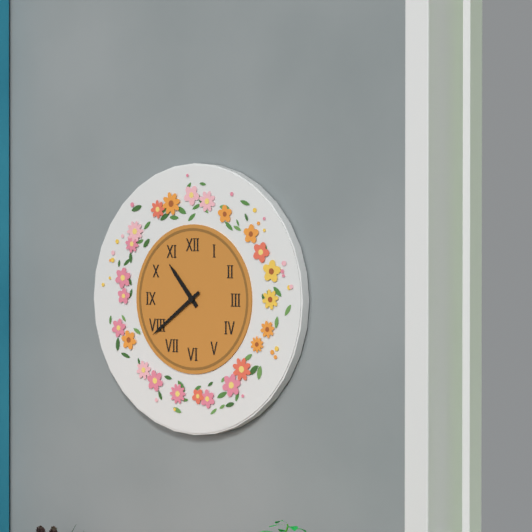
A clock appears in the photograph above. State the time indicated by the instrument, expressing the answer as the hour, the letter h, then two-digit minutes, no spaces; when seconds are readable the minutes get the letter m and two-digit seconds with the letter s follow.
10h39
